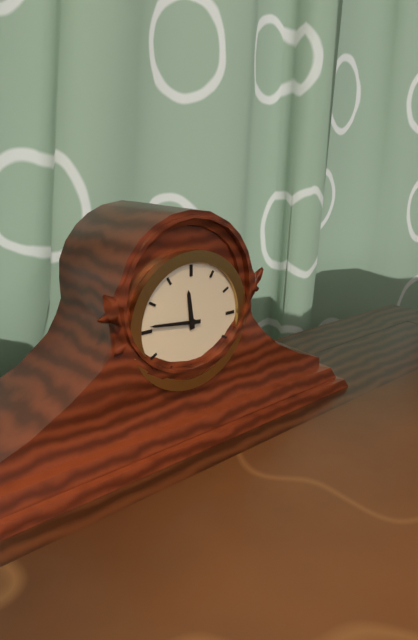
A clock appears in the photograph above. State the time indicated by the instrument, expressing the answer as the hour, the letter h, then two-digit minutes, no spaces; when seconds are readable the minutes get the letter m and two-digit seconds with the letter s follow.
11h46
